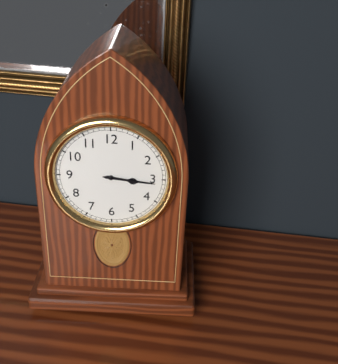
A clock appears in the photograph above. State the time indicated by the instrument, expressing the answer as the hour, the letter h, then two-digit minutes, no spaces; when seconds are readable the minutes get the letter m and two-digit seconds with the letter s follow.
3h16
